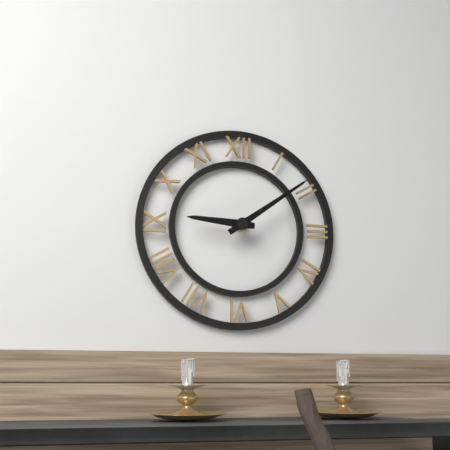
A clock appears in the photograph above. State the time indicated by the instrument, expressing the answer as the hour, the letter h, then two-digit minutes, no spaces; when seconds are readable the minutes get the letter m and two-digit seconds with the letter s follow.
9h09
